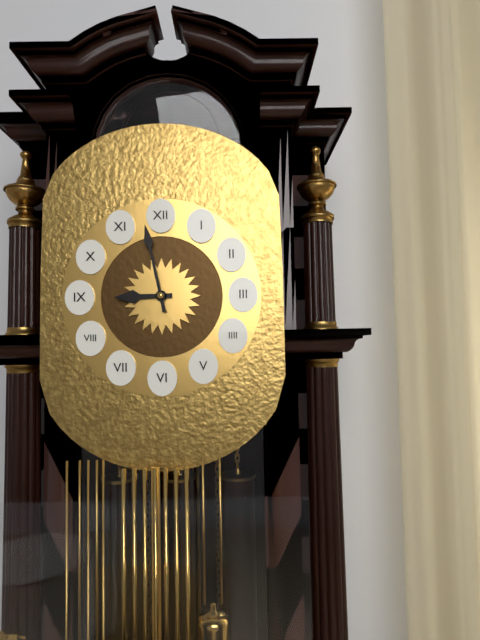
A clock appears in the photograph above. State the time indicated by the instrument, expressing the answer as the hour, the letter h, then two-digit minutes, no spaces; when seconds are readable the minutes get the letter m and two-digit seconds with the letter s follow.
8h58
